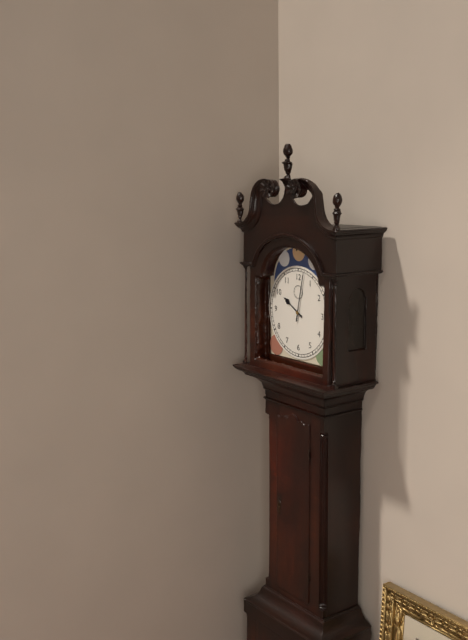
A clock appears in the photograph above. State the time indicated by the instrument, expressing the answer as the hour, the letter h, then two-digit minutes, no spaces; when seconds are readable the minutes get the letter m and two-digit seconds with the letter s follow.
10h02
